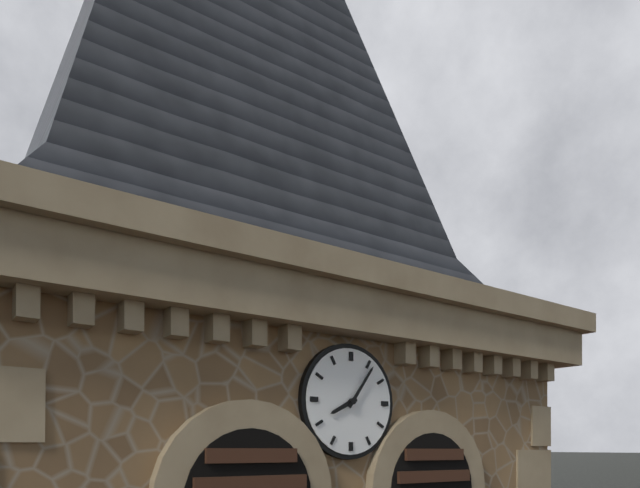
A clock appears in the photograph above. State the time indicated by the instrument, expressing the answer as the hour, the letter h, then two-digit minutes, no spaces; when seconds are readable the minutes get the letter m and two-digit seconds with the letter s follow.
8h06
